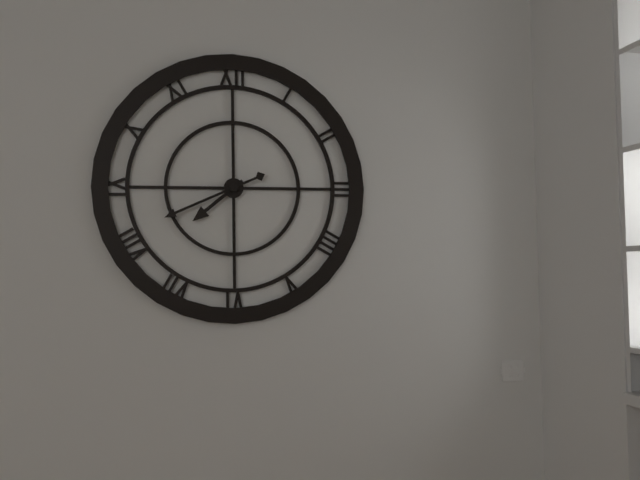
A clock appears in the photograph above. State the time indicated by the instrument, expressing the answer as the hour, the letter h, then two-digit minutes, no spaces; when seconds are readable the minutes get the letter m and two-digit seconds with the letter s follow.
7h41
